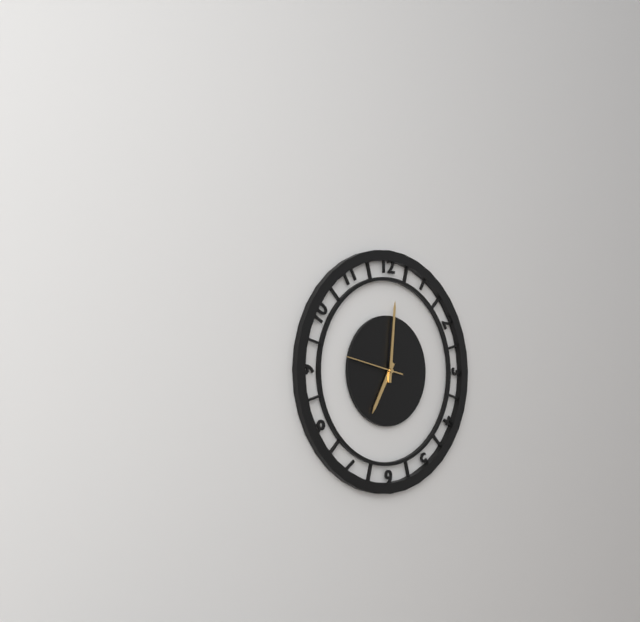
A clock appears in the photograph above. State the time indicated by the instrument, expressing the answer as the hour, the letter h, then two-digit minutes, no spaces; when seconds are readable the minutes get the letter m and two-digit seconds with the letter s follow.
7h01m47s
